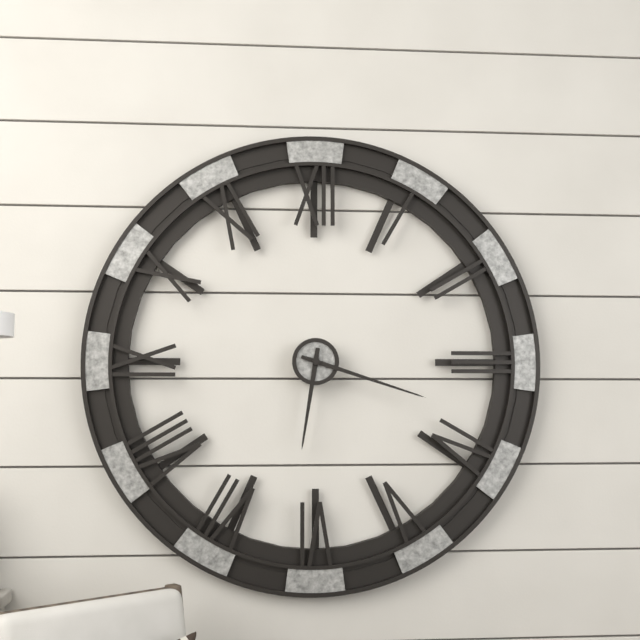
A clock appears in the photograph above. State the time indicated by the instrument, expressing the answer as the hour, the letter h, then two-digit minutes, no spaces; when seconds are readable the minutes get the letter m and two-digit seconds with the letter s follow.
6h18
